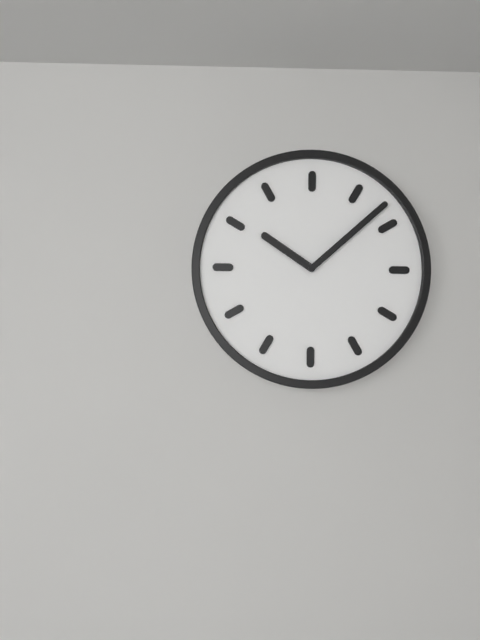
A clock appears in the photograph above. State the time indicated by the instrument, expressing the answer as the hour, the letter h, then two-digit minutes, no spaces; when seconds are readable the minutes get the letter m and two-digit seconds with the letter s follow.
10h08
